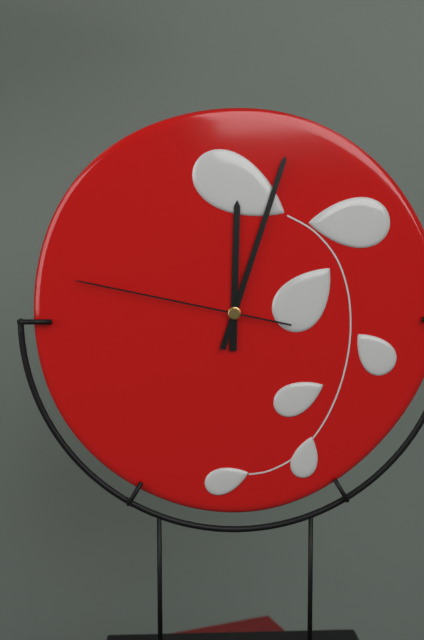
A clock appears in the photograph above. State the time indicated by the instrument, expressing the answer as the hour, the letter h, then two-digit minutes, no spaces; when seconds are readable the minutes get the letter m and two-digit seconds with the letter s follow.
12h03m47s
